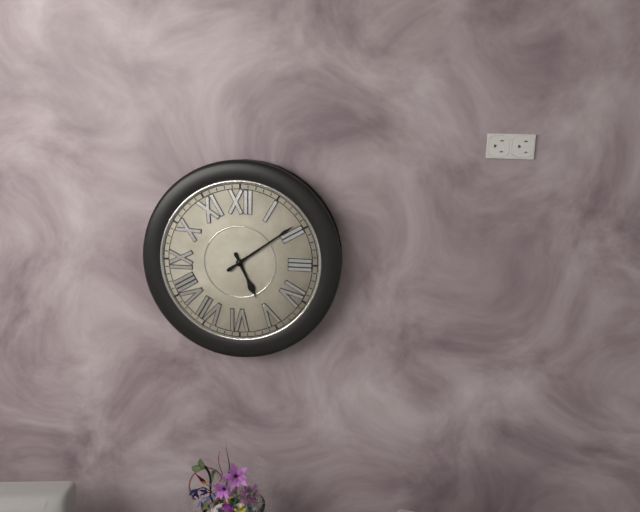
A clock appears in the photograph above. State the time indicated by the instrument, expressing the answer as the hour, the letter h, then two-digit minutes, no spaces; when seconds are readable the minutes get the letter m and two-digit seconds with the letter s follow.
5h09
